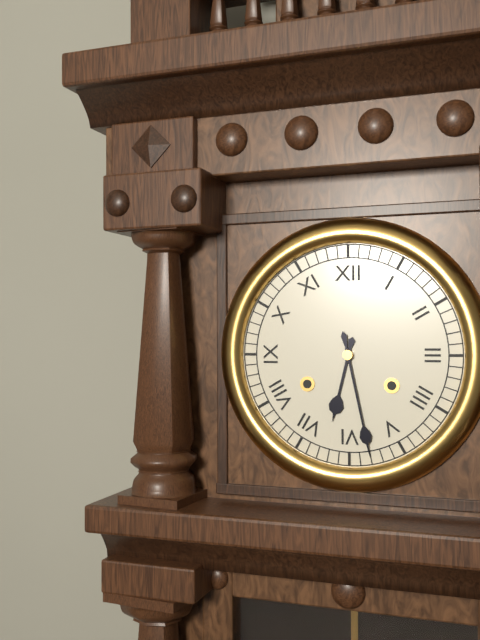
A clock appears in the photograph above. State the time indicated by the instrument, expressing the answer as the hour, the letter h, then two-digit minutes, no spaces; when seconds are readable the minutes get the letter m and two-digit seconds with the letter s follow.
6h28
